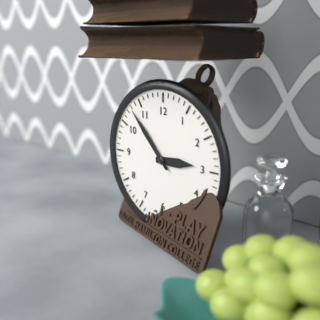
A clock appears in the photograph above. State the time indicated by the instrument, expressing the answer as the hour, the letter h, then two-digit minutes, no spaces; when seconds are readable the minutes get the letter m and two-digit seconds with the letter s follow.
2h53
